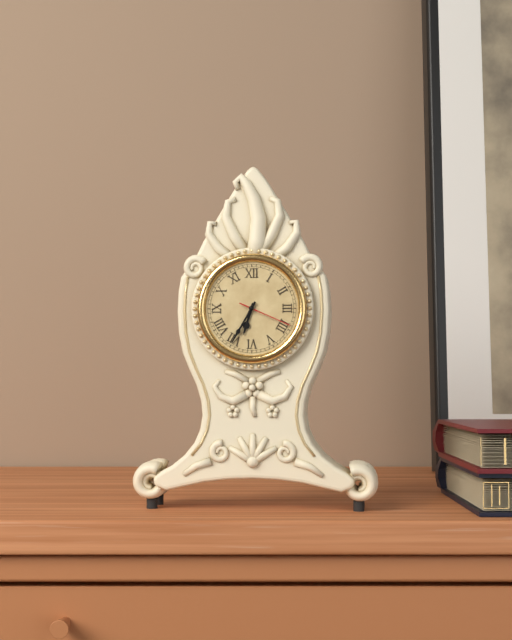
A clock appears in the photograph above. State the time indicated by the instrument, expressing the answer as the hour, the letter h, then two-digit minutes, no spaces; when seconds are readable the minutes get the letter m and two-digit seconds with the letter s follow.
6h35m19s
